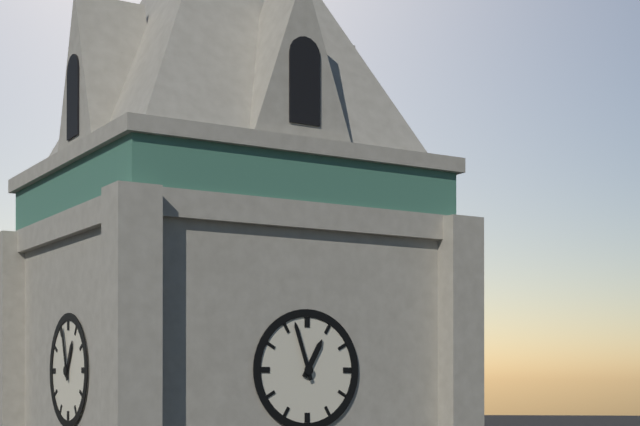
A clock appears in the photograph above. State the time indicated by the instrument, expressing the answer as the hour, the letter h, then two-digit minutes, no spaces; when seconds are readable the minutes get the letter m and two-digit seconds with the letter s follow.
12h57
